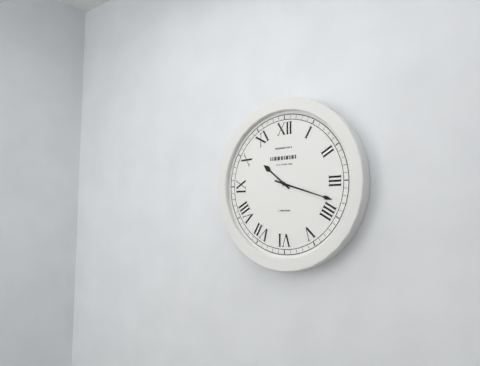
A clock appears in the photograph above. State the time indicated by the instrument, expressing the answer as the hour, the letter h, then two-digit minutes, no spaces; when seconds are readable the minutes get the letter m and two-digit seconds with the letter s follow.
10h18
